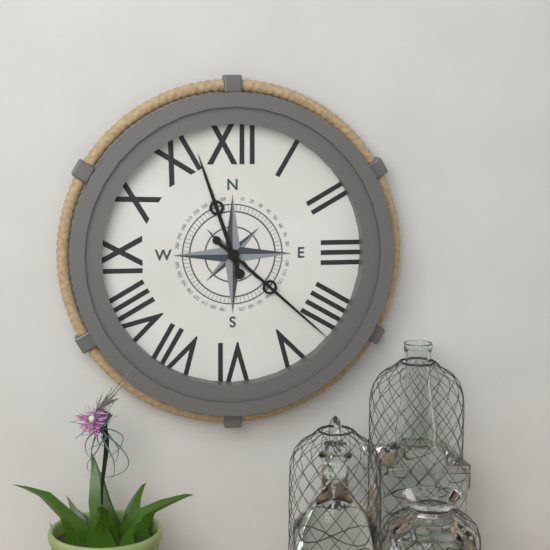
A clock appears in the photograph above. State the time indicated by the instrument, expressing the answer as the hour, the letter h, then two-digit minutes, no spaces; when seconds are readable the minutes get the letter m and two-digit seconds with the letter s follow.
11h22
